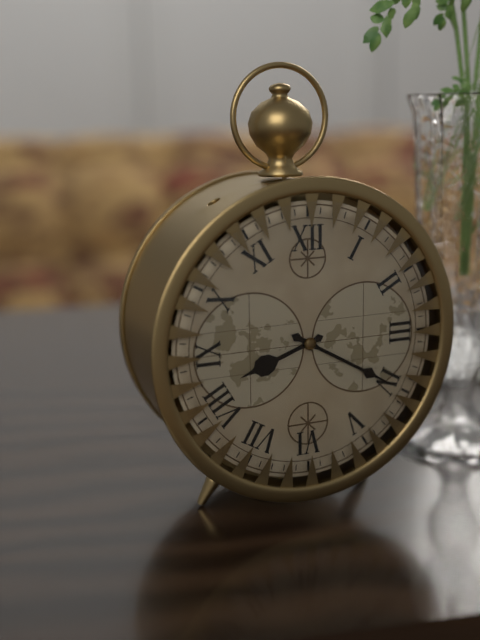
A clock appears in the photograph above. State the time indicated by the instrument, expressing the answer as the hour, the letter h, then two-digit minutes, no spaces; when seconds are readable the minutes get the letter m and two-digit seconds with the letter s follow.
8h20
